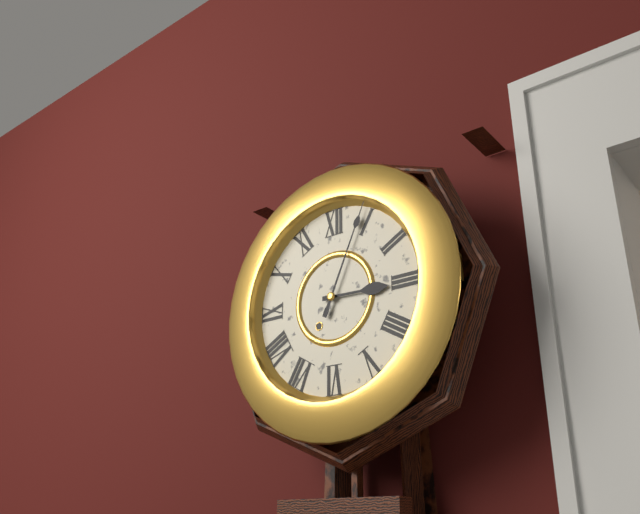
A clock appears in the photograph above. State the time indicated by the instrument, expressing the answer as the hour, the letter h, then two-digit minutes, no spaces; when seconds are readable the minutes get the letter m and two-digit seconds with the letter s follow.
3h04
